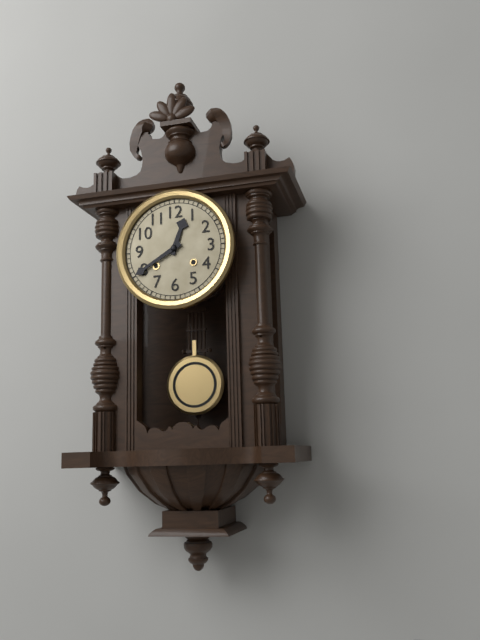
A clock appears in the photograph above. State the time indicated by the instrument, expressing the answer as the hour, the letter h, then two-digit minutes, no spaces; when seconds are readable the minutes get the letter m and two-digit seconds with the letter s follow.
12h40
